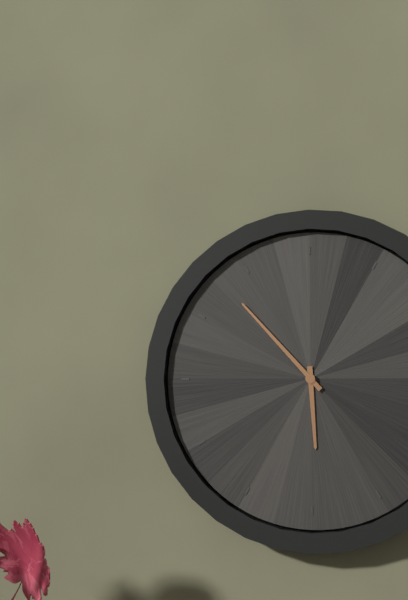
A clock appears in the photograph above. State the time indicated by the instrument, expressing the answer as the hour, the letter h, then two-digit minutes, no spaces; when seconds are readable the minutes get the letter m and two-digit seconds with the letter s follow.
5h53
